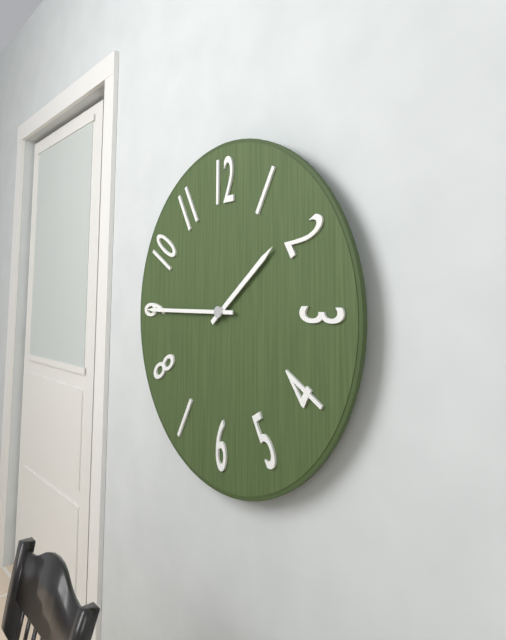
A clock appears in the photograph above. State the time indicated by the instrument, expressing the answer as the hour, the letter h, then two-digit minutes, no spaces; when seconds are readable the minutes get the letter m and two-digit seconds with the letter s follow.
1h45
